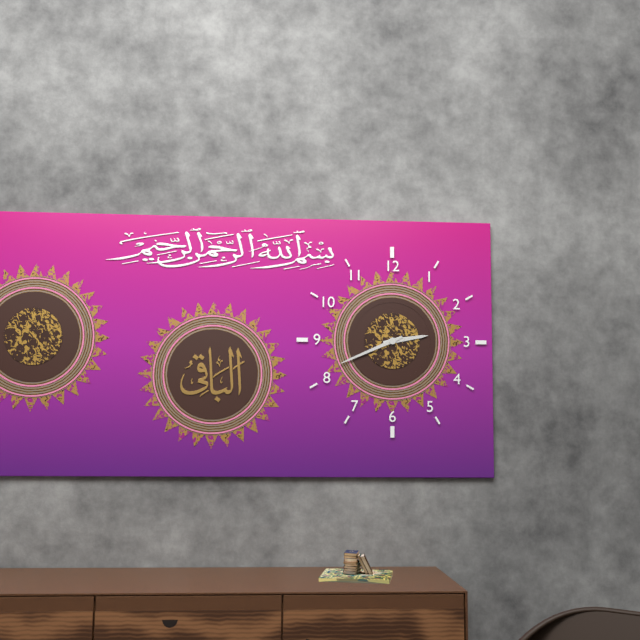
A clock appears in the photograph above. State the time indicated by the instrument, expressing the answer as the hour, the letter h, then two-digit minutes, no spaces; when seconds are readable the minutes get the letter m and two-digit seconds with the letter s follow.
2h41
